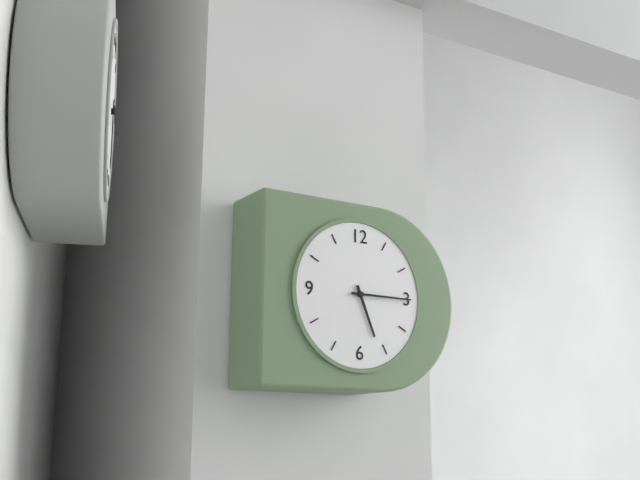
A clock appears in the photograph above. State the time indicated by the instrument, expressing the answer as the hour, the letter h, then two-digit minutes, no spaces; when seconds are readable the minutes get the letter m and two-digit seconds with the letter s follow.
5h15
